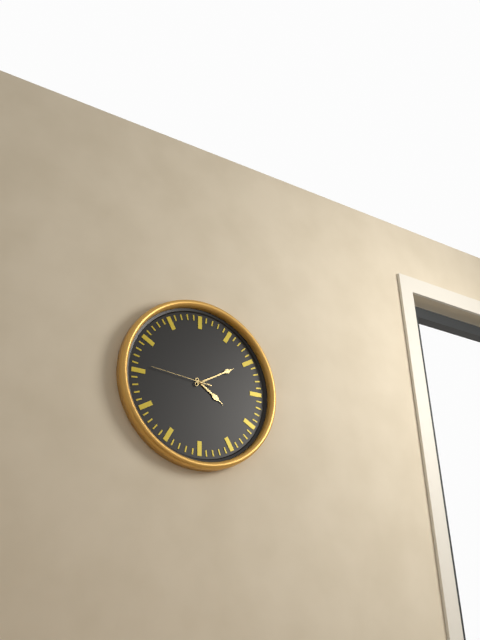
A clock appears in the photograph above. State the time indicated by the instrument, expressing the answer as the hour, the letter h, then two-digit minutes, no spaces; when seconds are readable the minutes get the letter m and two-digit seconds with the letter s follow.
4h10m46s
